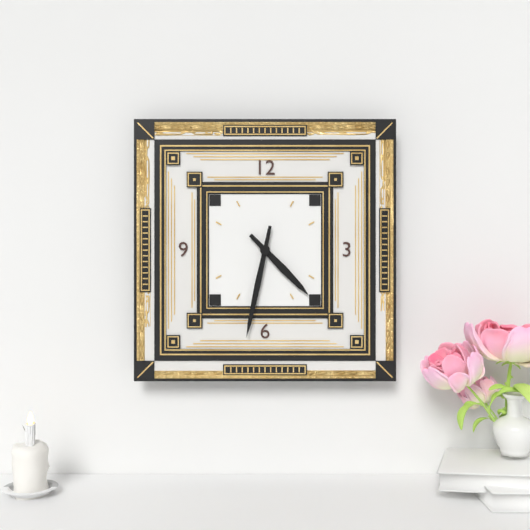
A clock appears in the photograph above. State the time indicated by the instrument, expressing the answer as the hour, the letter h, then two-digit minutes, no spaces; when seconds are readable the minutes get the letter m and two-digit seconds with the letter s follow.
4h32
